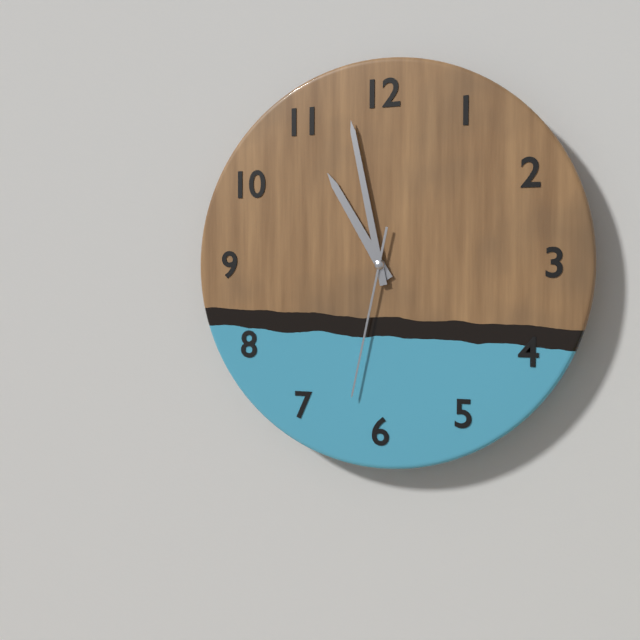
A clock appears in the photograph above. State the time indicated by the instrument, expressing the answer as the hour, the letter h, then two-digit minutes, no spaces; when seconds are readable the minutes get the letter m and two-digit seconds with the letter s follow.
10h58m32s
